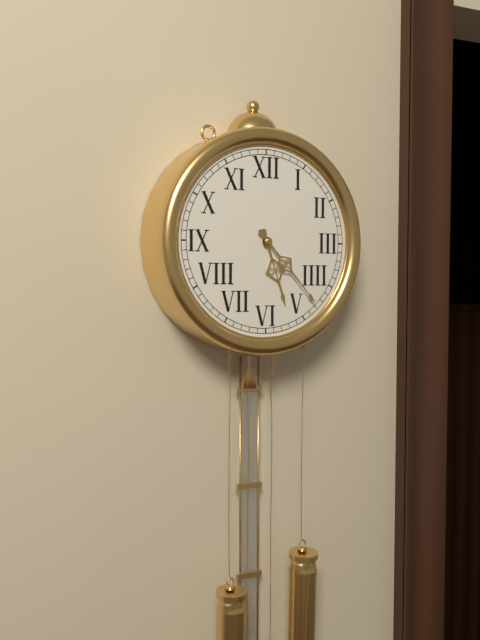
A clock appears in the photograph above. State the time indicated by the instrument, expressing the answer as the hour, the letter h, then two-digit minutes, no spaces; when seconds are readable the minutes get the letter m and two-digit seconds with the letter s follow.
5h23
